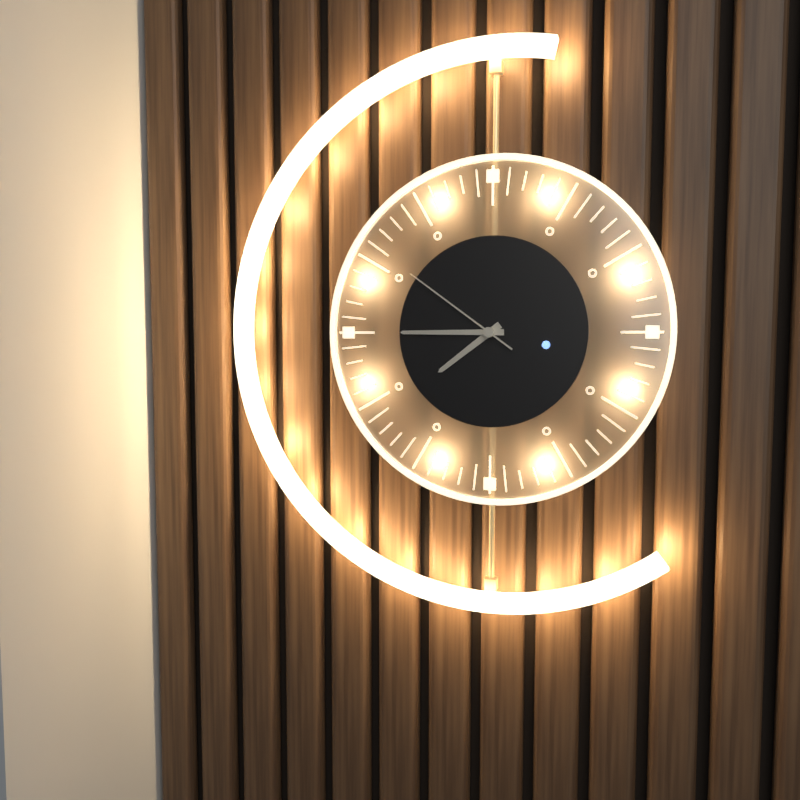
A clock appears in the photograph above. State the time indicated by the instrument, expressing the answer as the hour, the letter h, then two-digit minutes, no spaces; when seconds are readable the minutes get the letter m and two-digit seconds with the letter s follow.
7h45m51s
